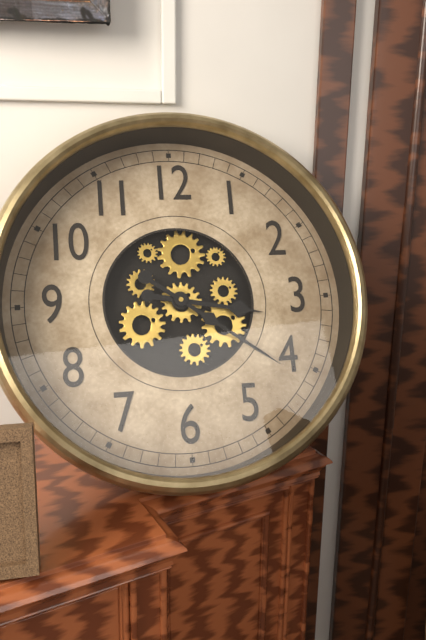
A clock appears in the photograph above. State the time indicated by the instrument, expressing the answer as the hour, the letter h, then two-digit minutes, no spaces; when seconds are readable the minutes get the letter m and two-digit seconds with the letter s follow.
3h21
